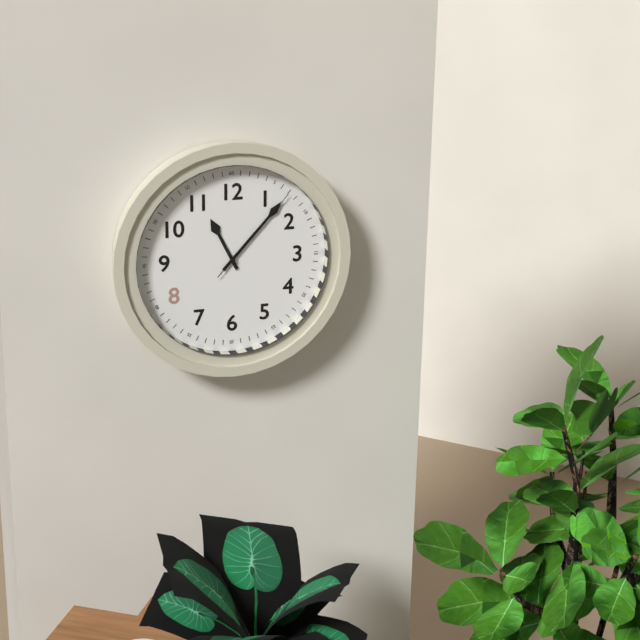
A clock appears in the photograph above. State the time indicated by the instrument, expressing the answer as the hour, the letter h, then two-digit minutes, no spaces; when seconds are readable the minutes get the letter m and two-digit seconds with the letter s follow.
11h07m07s
